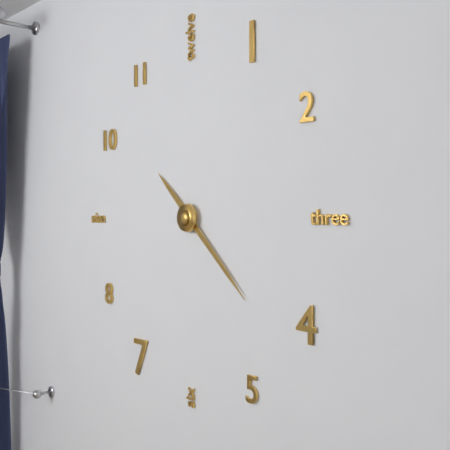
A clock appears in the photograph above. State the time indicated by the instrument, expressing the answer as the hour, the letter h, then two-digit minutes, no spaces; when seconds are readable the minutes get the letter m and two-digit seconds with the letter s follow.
10h22
